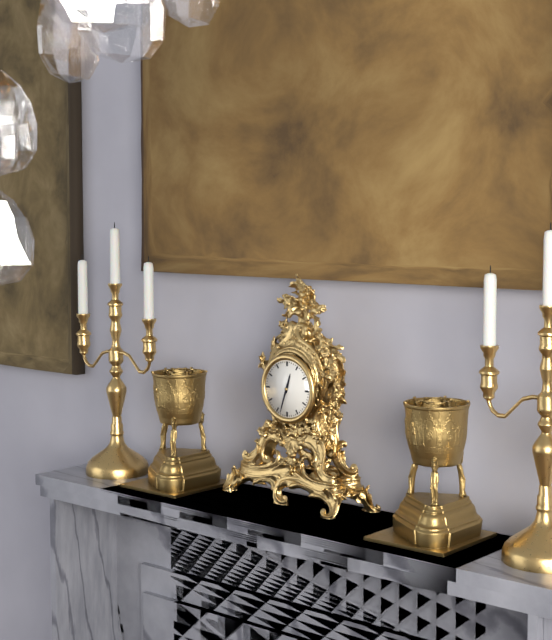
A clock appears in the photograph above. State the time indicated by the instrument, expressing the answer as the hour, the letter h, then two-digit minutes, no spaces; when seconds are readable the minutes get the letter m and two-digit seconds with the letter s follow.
12h33
